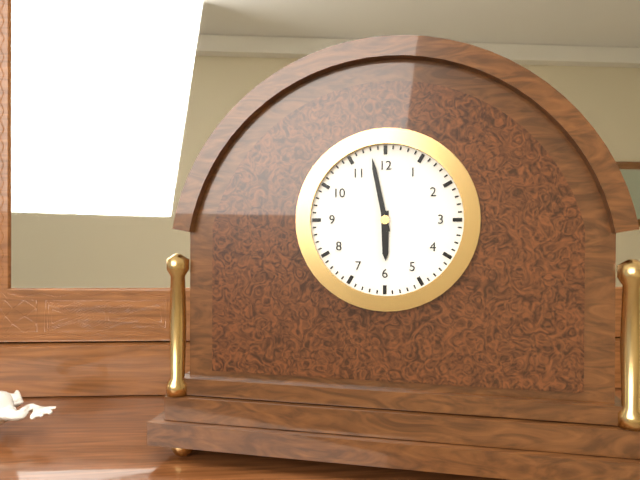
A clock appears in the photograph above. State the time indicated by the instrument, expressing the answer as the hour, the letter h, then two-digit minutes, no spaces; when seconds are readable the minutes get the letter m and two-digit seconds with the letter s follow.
5h58
